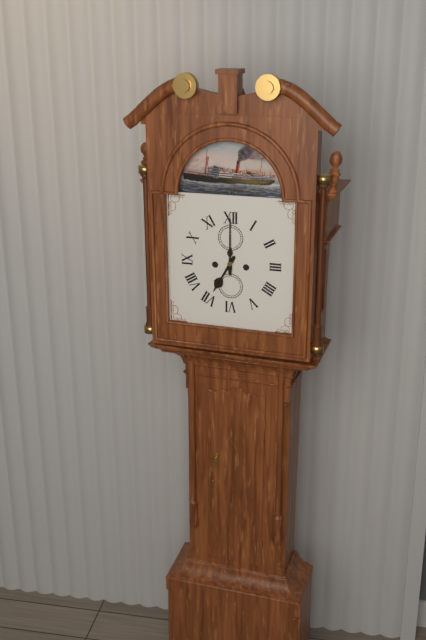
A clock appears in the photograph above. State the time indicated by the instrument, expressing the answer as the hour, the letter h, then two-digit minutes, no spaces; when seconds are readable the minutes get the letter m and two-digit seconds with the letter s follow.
7h00
